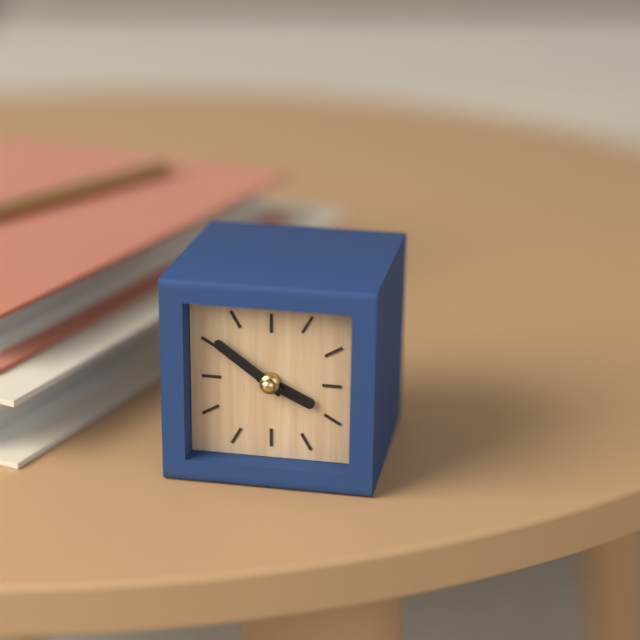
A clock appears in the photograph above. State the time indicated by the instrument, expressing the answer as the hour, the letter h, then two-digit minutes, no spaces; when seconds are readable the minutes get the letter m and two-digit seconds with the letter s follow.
3h51
